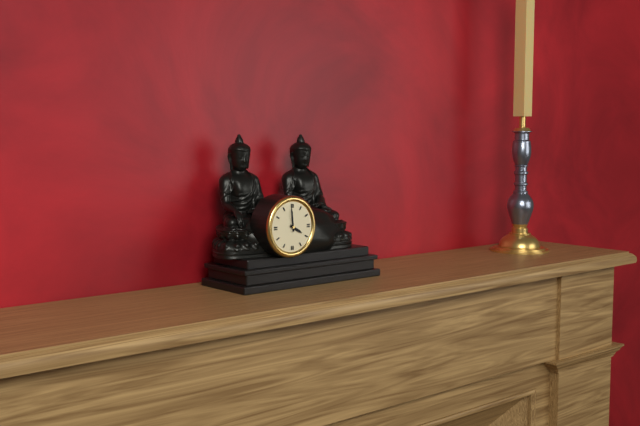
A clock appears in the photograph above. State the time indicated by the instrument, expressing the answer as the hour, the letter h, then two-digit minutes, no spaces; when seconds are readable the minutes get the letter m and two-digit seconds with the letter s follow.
3h59
